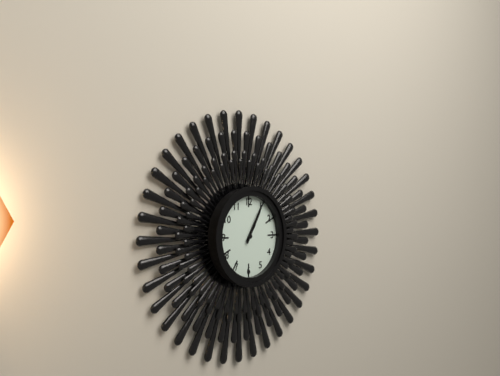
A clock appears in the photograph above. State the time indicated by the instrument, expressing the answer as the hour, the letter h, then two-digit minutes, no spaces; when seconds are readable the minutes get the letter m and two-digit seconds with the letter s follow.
1h05
